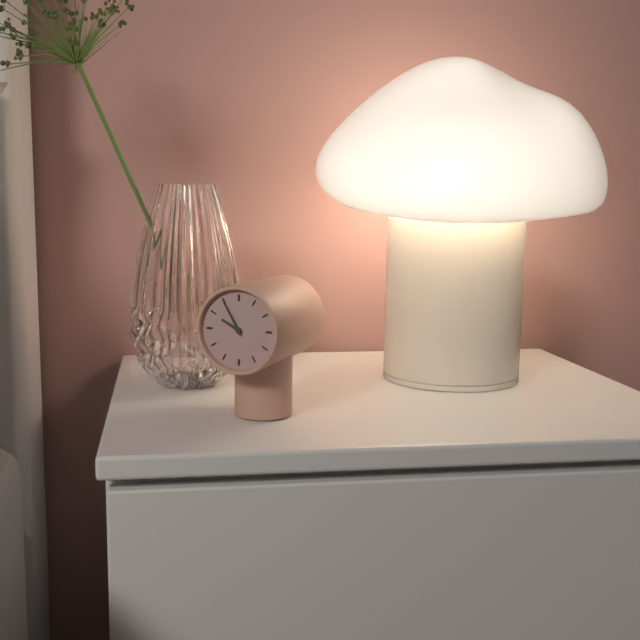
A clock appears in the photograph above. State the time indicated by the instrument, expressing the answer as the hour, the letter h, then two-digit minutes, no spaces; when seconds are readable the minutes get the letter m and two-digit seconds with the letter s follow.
9h55
